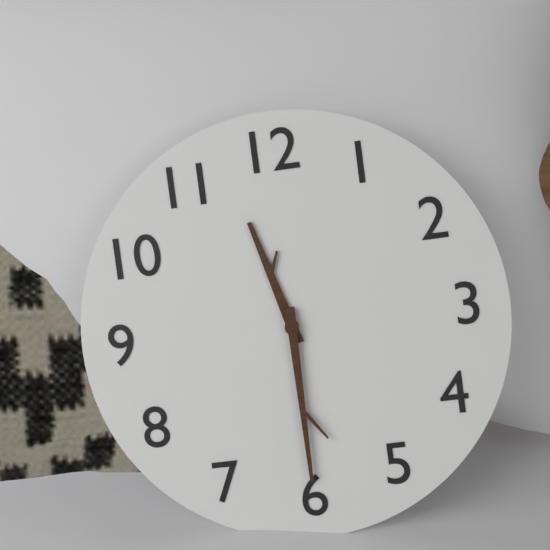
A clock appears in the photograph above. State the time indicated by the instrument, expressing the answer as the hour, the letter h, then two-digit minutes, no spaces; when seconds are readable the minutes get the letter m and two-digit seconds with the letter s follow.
11h30
